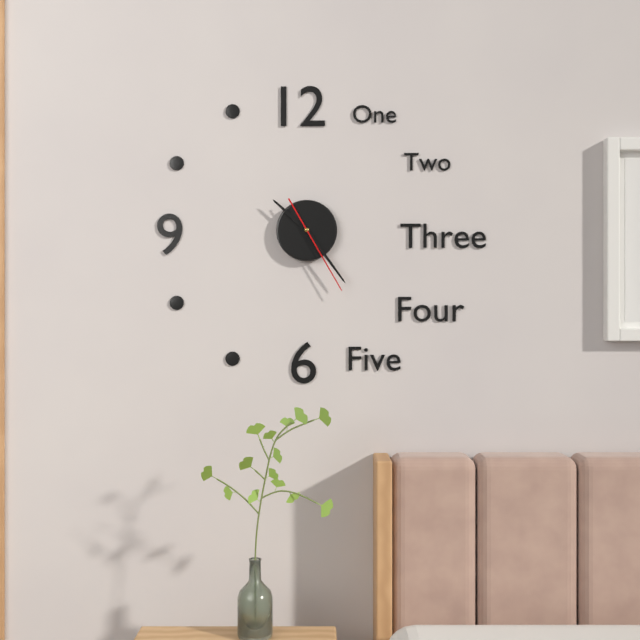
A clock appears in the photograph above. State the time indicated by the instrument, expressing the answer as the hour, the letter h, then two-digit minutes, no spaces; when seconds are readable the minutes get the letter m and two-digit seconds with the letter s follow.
10h24m25s
